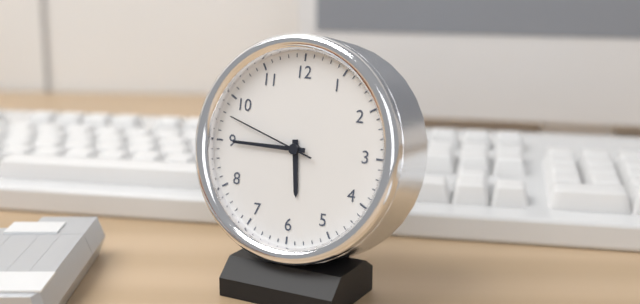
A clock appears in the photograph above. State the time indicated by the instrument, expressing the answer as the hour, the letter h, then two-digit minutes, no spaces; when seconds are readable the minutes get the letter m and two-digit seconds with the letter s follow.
5h45m48s
